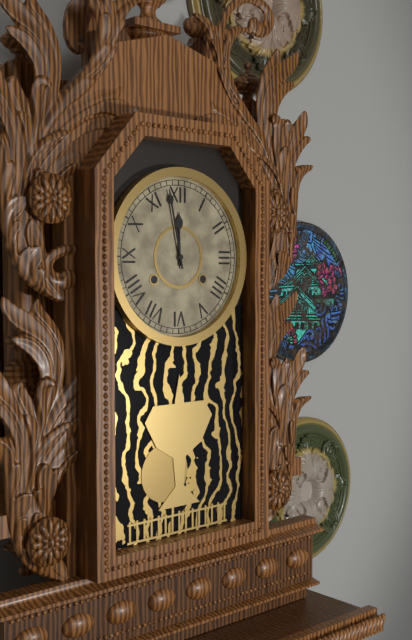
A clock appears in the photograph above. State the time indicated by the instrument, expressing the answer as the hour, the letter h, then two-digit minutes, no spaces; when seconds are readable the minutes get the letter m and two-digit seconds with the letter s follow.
11h58
